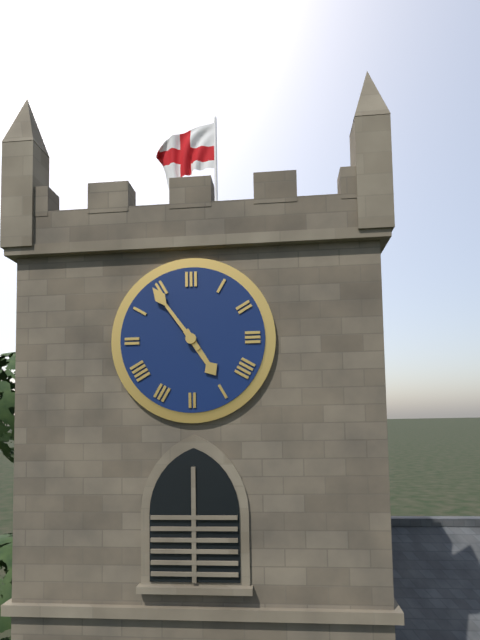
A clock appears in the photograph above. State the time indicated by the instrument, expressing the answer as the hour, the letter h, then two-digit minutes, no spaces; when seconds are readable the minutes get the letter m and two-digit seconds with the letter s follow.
4h54
